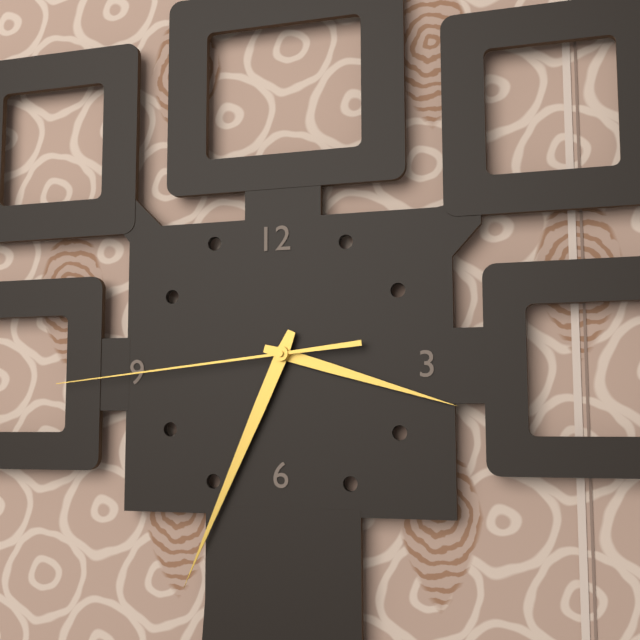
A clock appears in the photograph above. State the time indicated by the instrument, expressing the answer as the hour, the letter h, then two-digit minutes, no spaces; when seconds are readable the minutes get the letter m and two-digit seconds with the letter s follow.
3h34m44s
